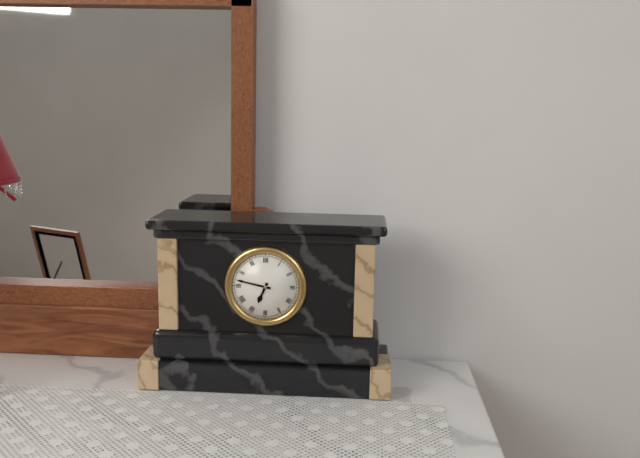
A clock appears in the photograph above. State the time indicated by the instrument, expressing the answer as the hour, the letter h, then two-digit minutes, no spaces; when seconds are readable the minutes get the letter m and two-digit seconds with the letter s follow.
6h47
